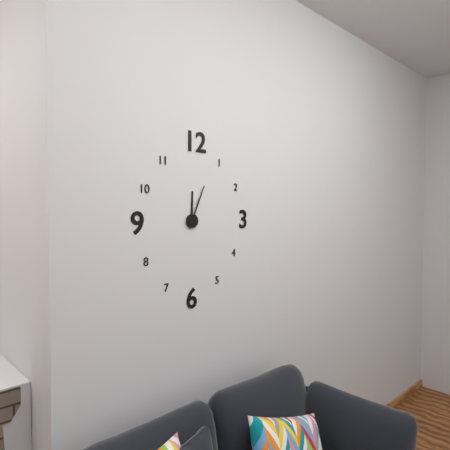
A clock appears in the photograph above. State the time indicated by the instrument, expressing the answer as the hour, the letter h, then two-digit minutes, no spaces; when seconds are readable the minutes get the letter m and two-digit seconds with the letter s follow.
12h04
